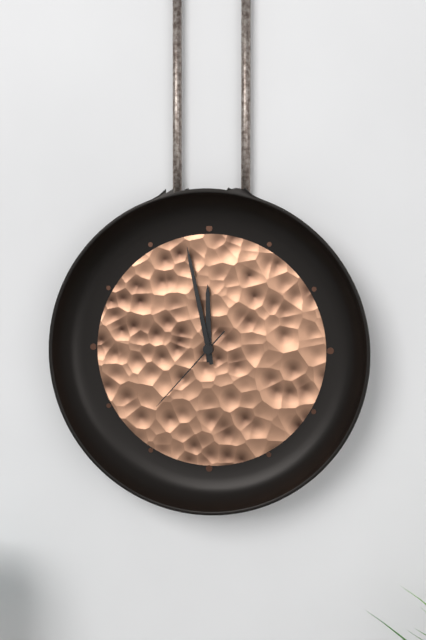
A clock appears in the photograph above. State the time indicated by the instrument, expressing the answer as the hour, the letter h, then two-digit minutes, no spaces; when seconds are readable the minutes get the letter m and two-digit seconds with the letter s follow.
11h58m37s
